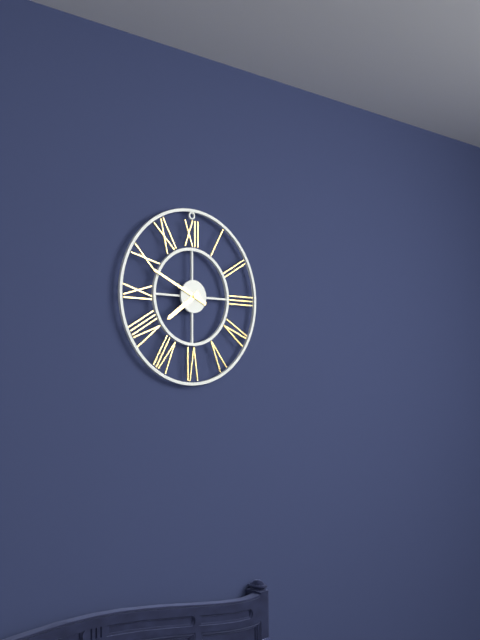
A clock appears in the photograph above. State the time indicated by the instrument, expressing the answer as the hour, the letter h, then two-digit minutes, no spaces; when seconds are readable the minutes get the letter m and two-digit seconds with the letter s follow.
7h49
